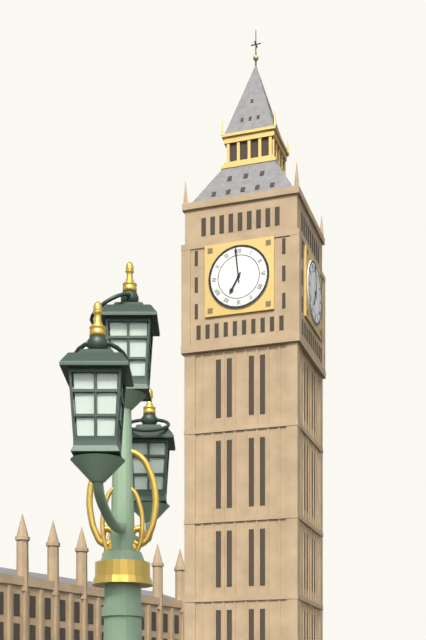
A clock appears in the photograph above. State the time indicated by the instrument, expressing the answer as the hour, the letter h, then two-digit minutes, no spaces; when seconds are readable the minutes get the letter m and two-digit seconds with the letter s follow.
6h59
